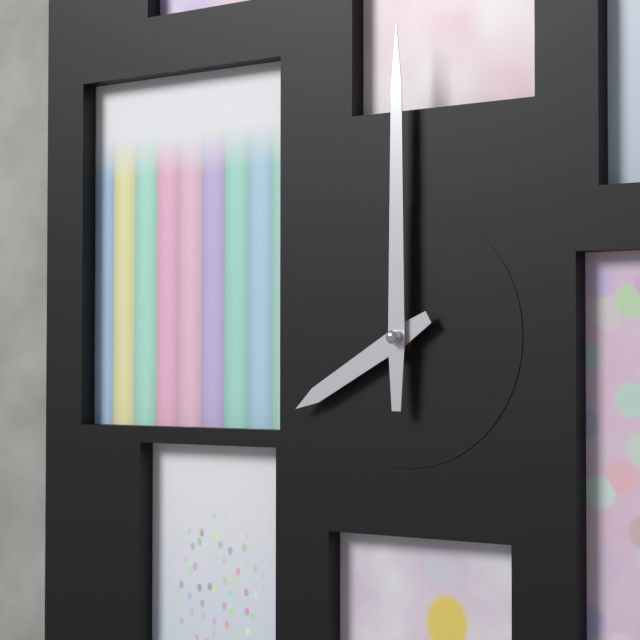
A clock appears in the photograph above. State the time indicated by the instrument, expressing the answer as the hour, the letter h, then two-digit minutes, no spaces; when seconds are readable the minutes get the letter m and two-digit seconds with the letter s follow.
8h00
